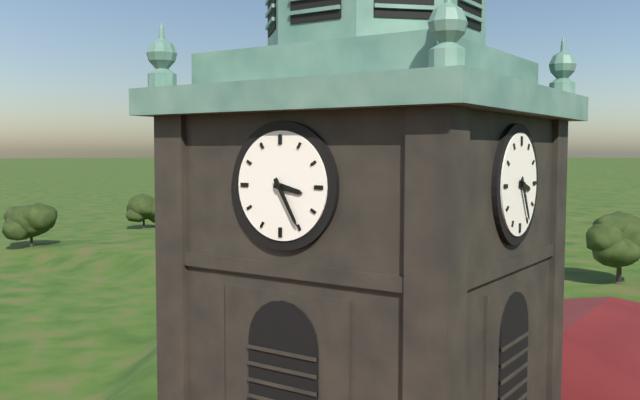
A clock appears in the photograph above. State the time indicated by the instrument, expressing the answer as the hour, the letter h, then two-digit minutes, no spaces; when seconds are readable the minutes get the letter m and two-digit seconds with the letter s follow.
3h25
